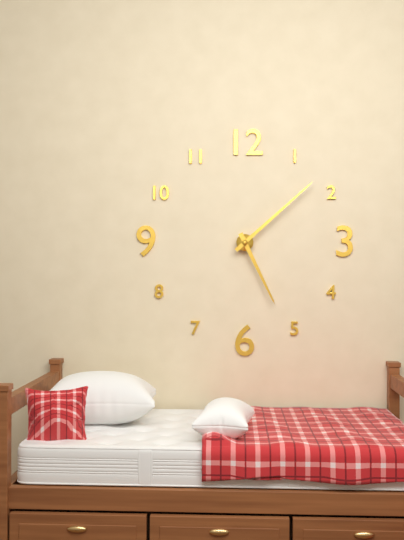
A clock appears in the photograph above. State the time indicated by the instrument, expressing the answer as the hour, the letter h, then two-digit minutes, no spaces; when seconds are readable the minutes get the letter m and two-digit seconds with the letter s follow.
5h08
